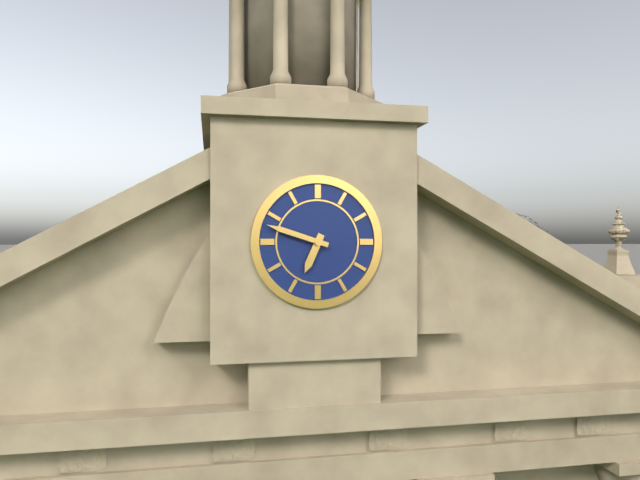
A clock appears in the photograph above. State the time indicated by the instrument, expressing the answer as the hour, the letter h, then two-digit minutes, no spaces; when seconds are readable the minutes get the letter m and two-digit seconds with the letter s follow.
6h48
